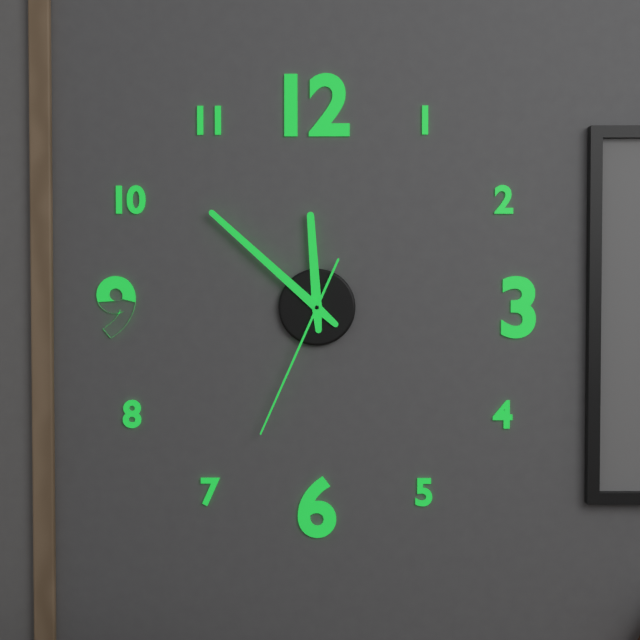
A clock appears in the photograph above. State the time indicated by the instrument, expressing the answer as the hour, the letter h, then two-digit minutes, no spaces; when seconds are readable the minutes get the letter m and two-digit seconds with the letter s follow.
11h52m34s
